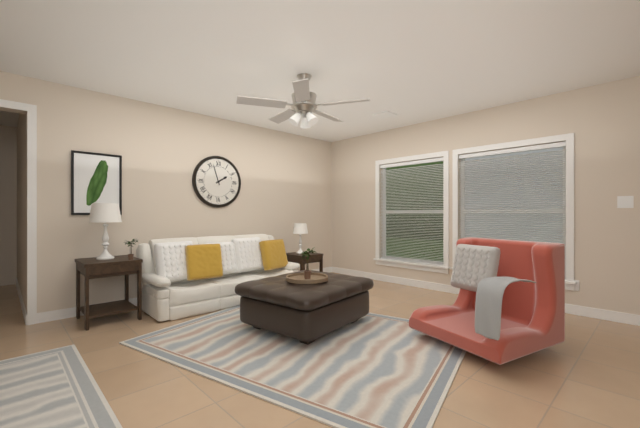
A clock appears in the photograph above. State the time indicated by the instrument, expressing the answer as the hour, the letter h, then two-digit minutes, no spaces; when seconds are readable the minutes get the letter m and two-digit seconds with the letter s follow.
1h57
